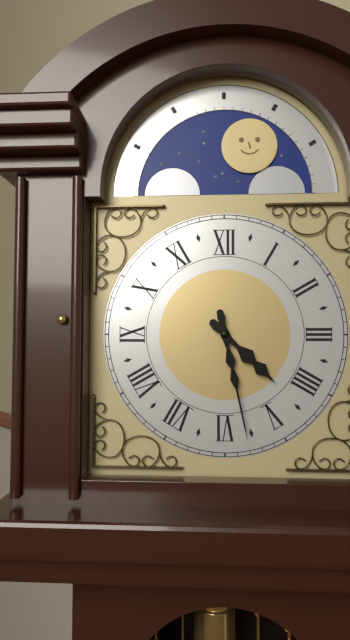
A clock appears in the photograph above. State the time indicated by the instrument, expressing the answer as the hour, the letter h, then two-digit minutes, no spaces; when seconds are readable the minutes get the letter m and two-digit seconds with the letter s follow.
4h28
